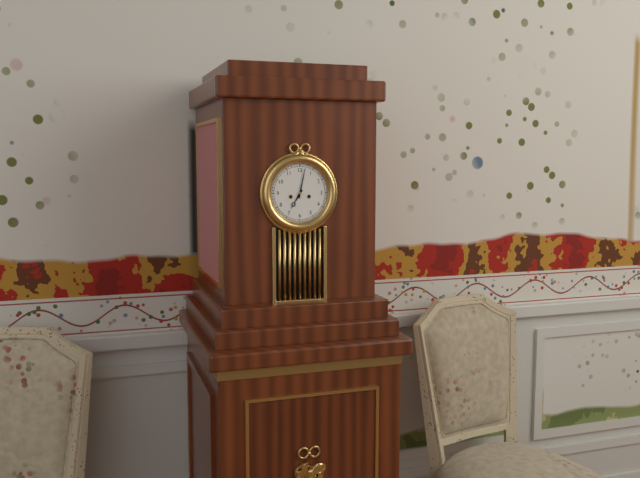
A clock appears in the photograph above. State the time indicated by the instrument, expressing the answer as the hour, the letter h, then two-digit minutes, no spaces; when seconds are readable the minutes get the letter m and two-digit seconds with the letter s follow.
7h02
